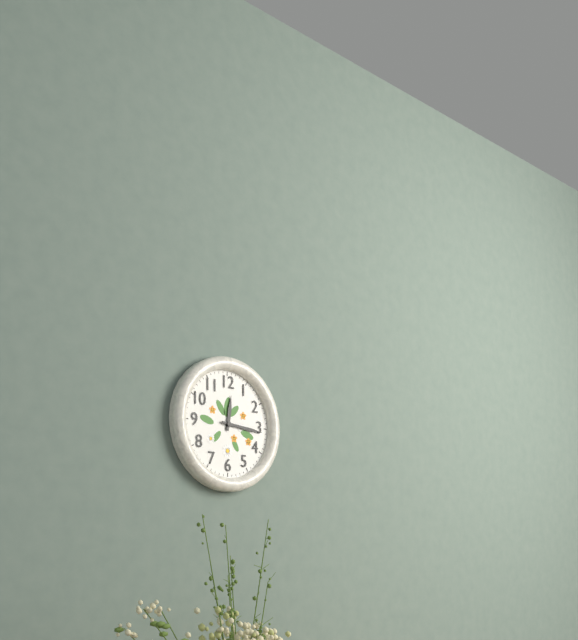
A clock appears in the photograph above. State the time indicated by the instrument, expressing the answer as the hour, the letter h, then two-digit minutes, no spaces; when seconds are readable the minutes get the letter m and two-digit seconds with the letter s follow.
12h16
